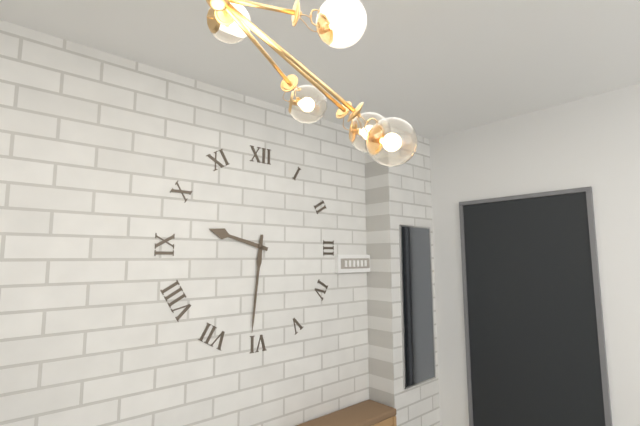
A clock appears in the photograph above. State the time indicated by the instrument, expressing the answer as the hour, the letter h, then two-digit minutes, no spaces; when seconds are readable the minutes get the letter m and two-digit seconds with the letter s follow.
9h31
